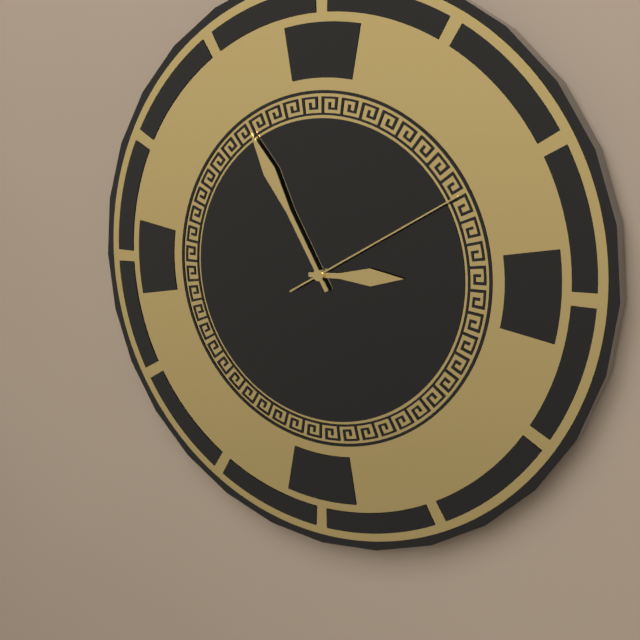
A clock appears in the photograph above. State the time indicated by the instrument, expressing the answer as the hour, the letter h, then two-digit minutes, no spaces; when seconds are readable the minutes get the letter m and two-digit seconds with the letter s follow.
2h55m10s
